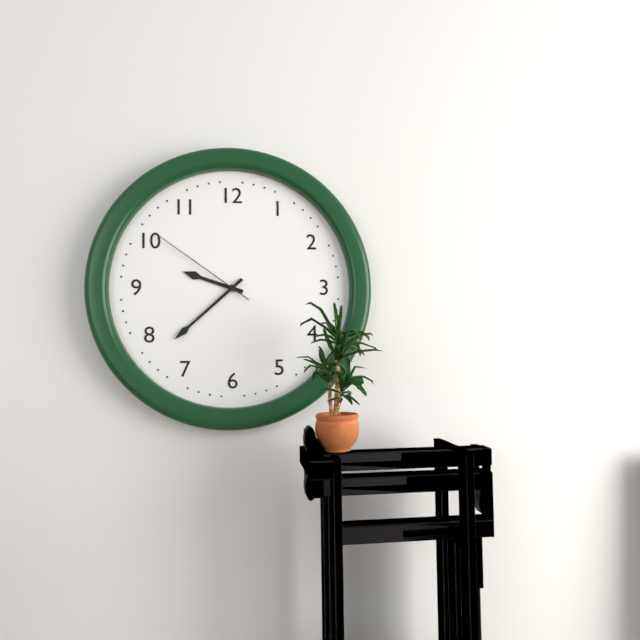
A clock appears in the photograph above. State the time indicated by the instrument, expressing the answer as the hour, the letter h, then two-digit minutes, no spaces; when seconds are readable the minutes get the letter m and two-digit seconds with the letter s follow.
9h38m51s
